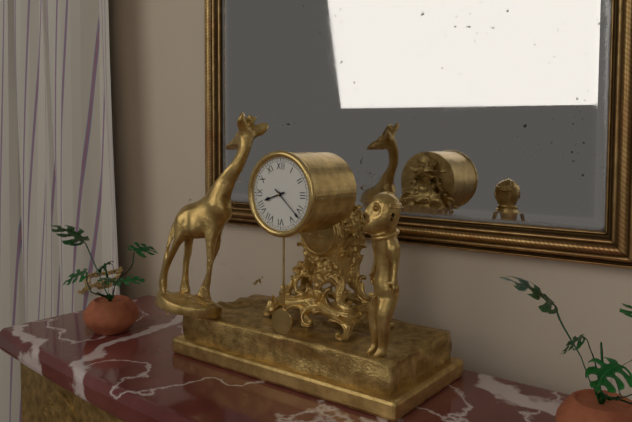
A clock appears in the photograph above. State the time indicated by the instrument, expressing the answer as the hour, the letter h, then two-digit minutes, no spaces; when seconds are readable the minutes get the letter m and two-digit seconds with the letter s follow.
8h22
